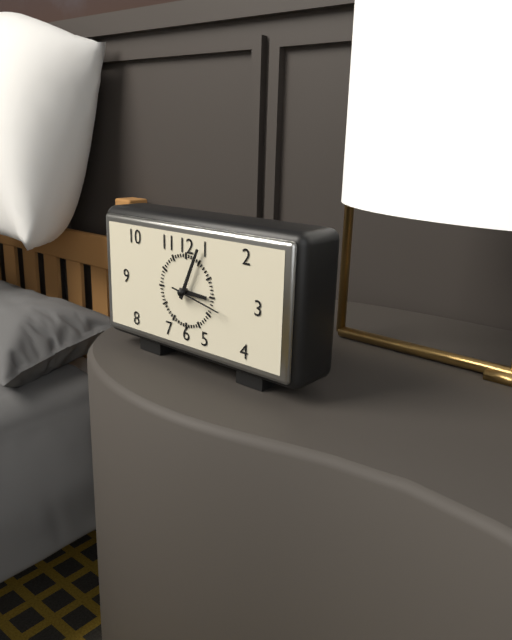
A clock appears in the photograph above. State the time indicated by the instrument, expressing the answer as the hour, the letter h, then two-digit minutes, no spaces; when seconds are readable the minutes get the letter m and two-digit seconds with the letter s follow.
3h04m17s
